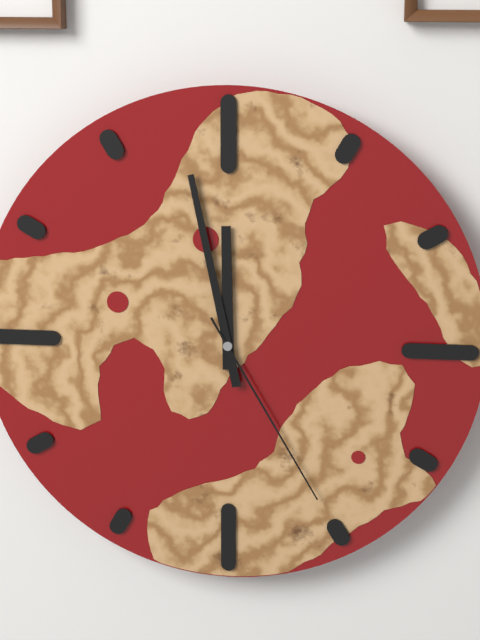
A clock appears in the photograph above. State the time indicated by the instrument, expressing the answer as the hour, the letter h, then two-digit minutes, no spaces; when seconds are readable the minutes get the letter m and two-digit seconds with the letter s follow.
11h58m25s
